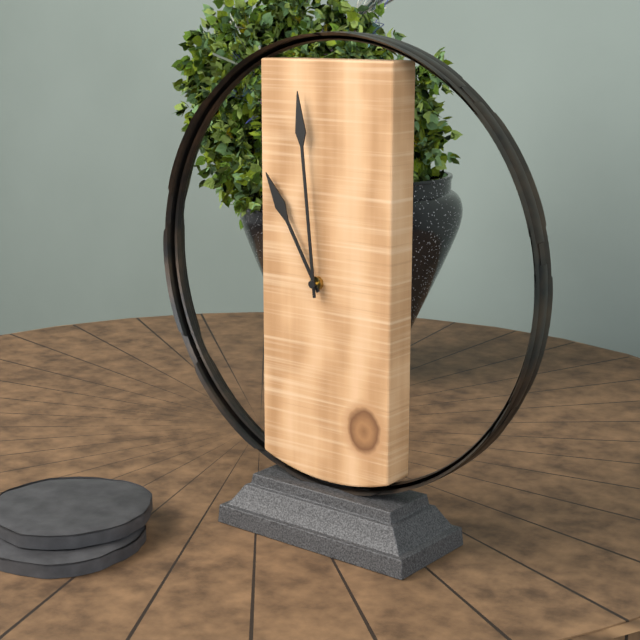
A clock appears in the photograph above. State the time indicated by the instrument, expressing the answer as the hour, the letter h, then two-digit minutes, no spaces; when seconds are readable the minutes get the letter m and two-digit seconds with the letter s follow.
10h59
